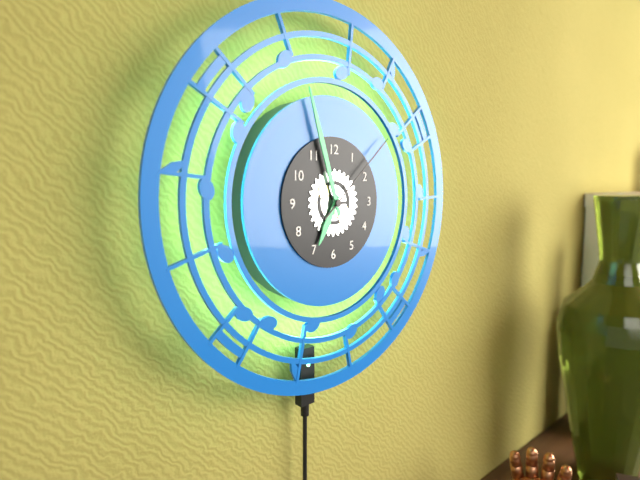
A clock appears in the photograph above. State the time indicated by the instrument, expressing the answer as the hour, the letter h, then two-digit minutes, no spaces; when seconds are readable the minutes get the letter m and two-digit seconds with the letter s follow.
6h57m08s
